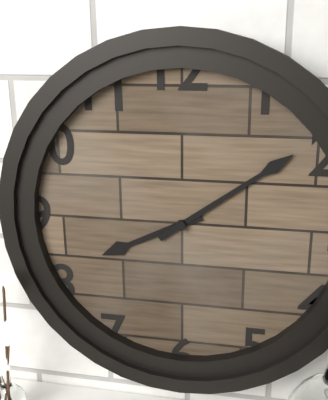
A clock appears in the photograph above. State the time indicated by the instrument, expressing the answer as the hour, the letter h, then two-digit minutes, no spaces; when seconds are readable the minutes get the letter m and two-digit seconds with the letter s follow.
8h09
